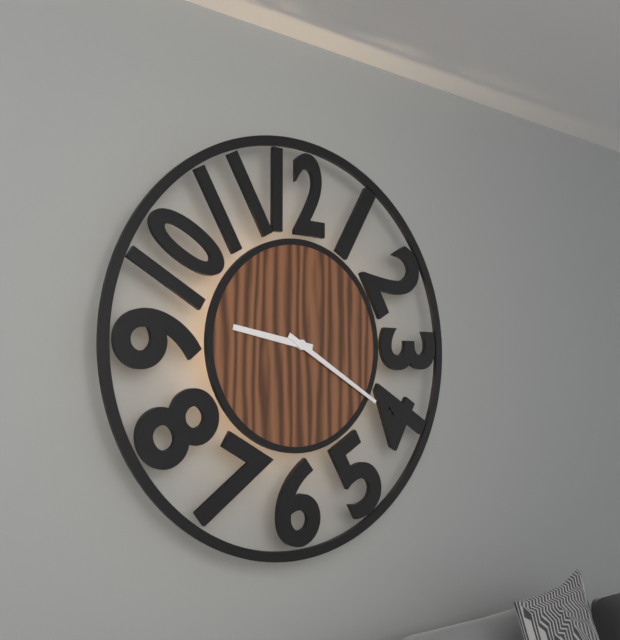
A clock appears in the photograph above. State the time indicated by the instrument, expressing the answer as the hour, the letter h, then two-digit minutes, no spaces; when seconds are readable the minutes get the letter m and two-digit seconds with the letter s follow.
9h20
